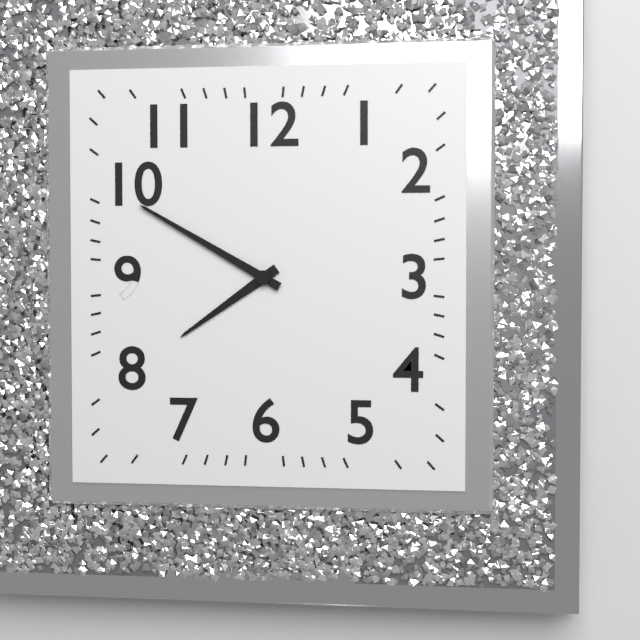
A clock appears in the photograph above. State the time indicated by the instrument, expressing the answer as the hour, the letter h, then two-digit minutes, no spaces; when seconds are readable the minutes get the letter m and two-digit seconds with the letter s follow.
7h50
